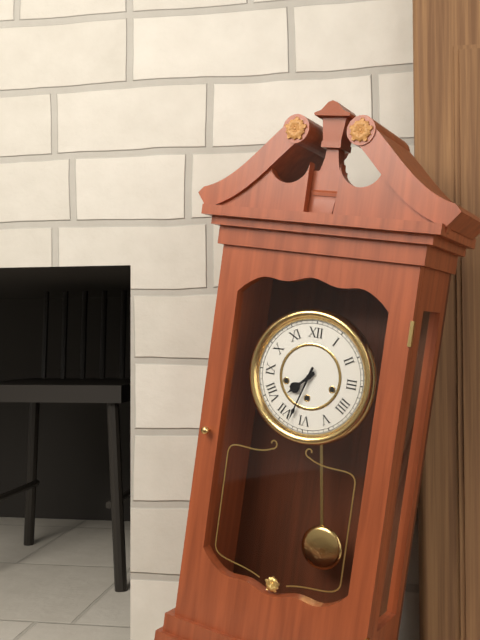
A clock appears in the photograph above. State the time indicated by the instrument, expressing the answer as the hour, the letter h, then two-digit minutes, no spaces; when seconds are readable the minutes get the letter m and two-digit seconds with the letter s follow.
7h33
